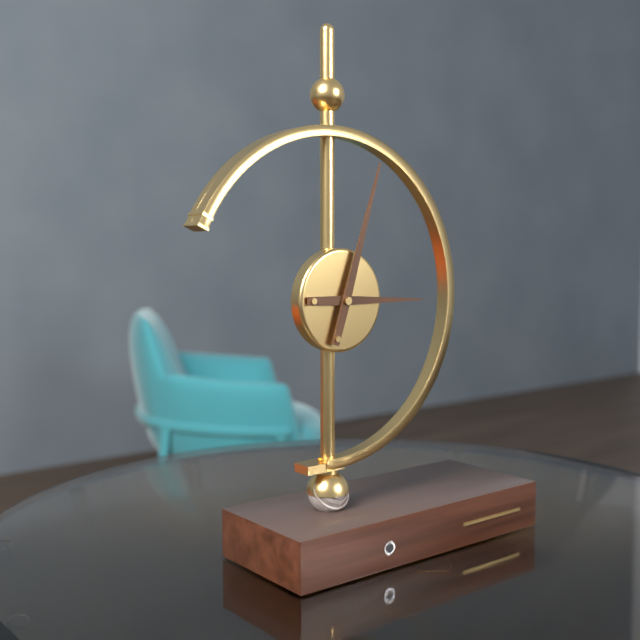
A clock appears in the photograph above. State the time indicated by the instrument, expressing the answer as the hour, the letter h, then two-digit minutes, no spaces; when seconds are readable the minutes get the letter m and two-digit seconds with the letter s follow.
3h03
